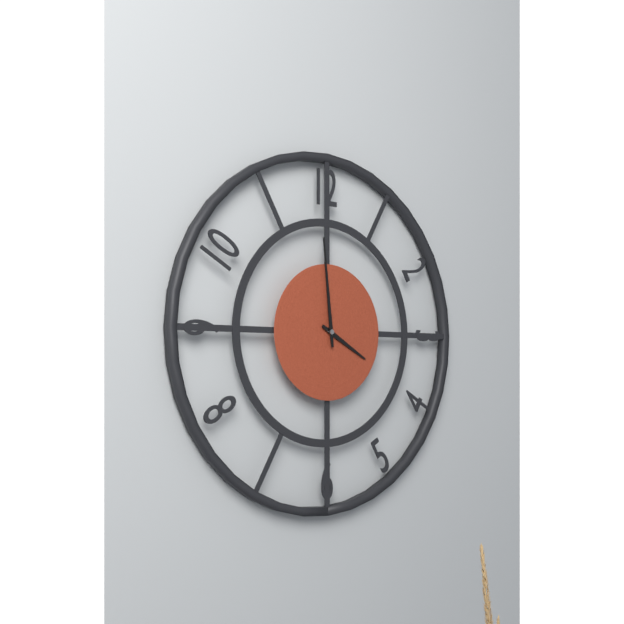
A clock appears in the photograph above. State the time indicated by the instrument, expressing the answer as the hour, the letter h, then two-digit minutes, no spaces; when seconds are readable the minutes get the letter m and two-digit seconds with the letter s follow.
3h59
